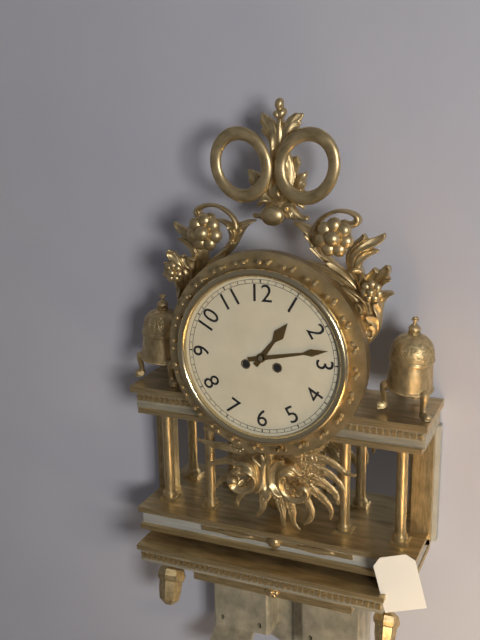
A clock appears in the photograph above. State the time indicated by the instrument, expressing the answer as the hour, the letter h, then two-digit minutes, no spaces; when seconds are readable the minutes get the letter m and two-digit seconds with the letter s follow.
1h13
